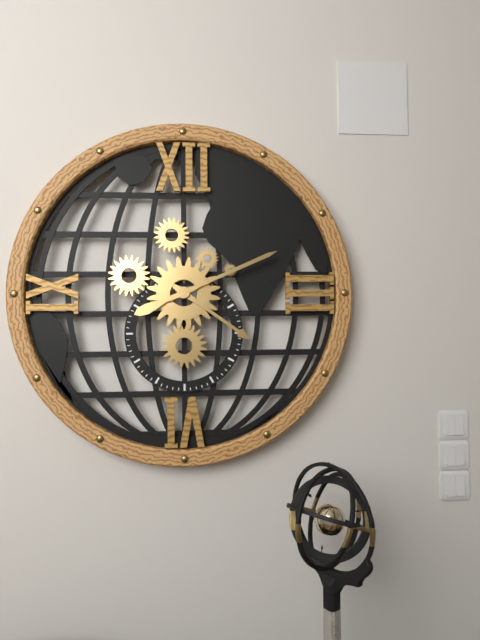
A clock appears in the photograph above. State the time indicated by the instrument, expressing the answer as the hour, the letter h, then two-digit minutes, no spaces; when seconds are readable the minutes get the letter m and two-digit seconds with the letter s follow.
4h11
